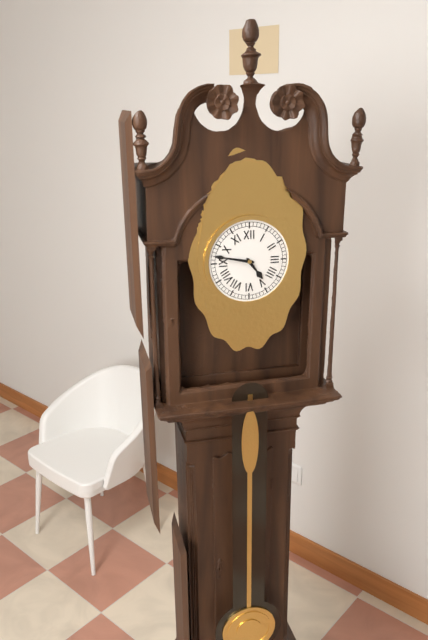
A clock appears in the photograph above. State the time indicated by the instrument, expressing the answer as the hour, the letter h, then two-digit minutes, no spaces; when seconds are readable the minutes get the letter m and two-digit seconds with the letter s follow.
4h47
